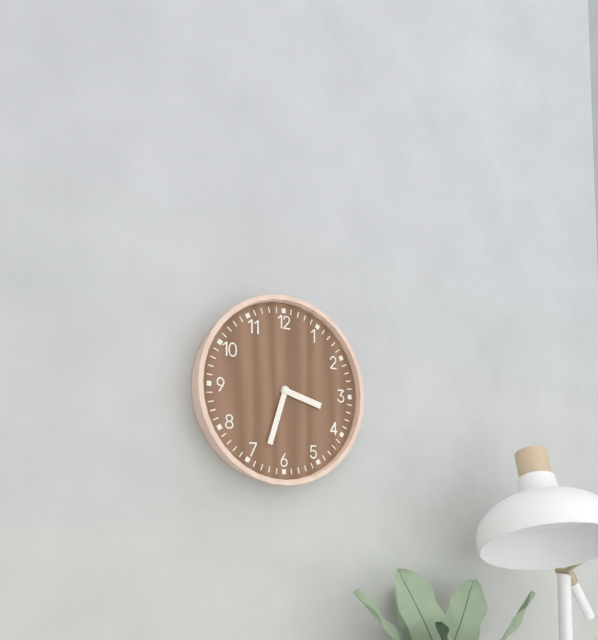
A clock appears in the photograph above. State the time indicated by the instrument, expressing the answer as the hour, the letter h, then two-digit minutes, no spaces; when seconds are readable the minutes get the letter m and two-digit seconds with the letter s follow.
3h33
